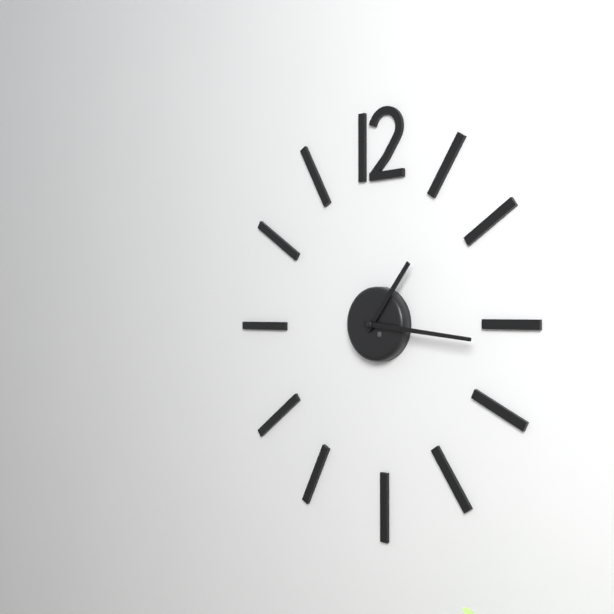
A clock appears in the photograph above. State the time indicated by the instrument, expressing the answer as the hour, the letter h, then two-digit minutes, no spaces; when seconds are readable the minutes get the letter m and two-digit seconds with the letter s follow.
1h16
